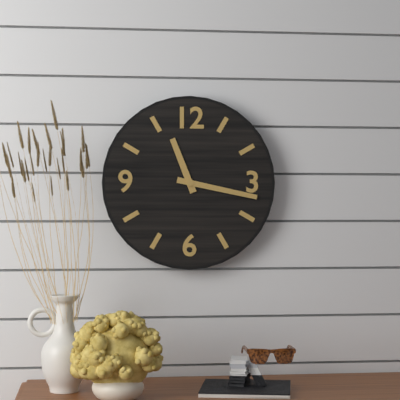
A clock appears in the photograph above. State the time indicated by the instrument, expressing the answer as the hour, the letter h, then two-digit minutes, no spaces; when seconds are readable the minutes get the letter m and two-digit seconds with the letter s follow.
11h17
